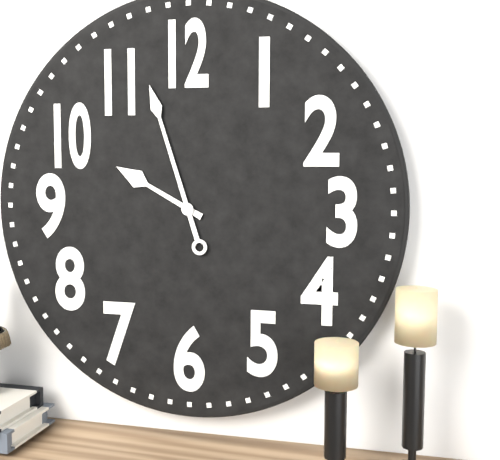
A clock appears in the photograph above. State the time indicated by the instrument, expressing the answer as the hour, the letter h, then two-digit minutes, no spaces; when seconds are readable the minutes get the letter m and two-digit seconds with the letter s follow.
9h57
